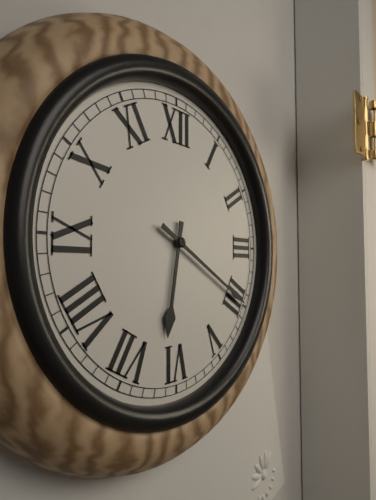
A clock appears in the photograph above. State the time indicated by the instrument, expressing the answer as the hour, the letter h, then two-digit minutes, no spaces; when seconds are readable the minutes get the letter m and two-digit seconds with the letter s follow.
6h20
